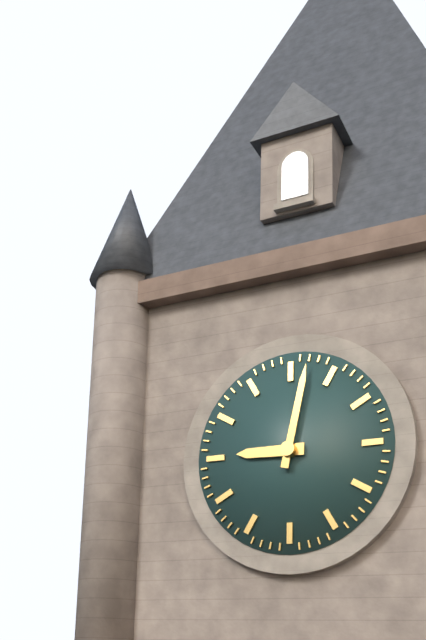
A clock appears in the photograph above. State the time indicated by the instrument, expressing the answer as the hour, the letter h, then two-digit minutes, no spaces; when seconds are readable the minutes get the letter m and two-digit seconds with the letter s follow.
9h02
